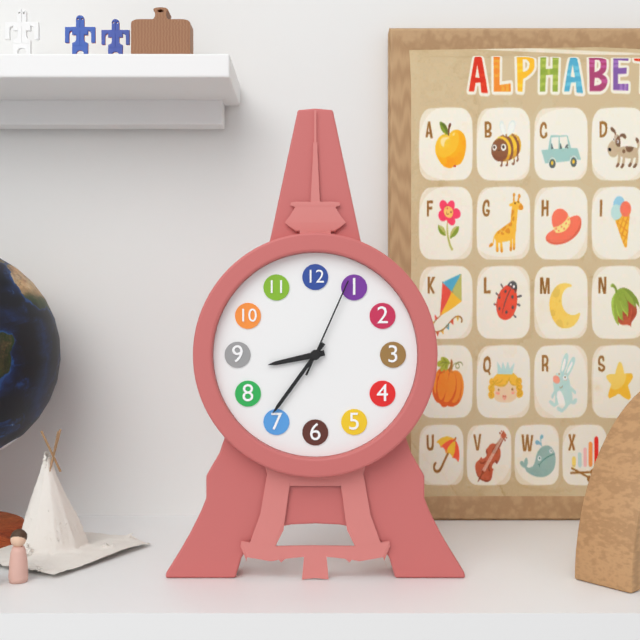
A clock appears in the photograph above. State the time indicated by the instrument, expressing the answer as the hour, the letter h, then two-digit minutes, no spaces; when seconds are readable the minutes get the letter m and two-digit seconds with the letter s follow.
8h36m04s
